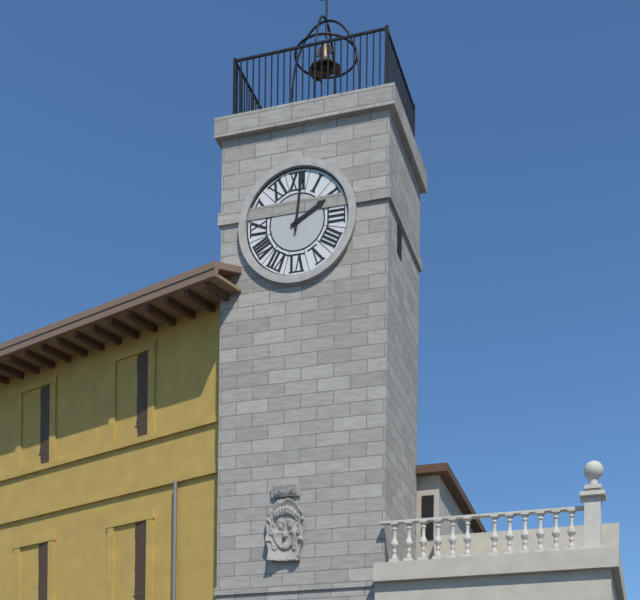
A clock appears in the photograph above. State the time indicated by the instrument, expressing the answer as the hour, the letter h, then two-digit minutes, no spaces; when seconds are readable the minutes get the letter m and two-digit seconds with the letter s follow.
2h01
